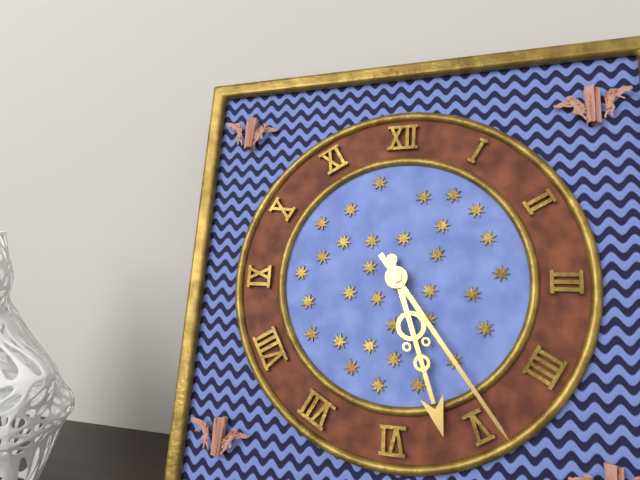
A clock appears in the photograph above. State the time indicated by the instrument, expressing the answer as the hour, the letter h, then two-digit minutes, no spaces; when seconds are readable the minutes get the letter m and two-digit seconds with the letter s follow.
5h24
